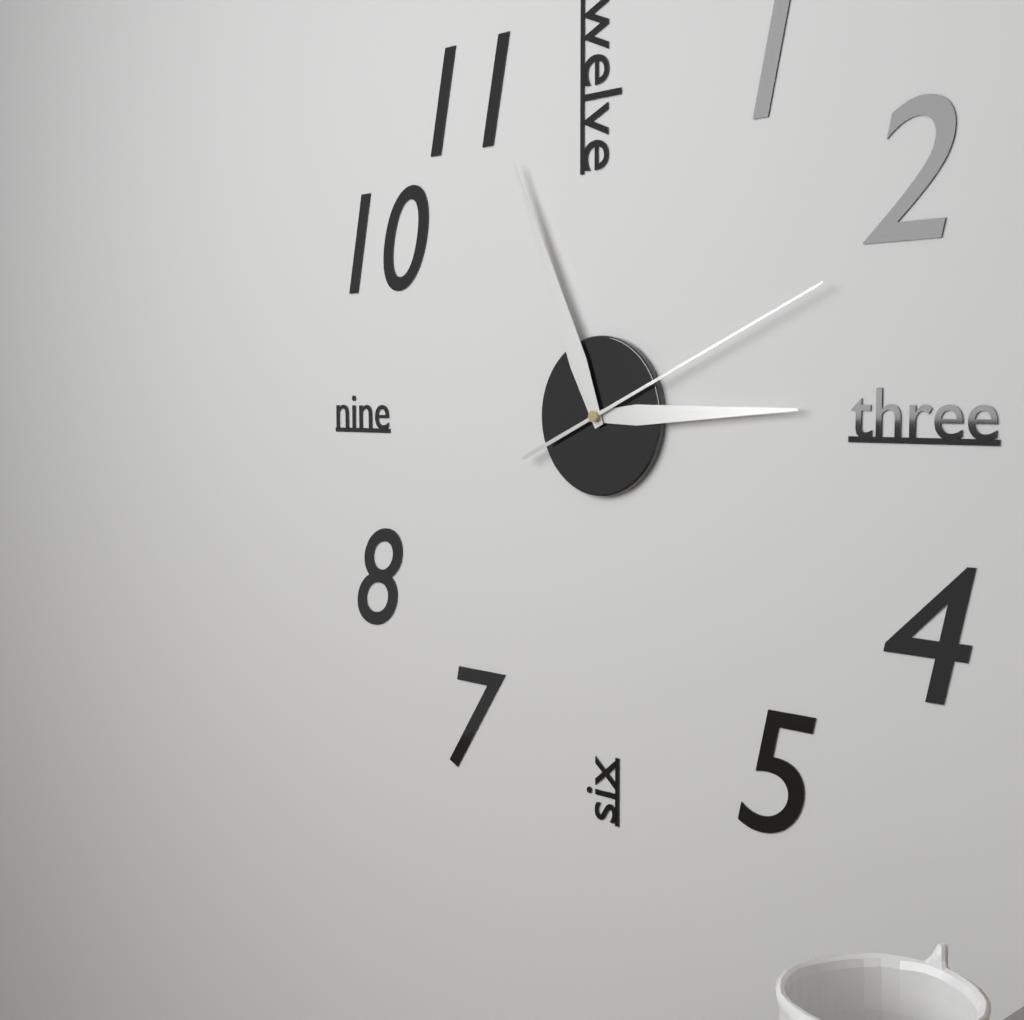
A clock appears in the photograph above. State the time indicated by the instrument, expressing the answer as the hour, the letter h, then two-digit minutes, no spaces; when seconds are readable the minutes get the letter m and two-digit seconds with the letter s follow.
2h56m11s
